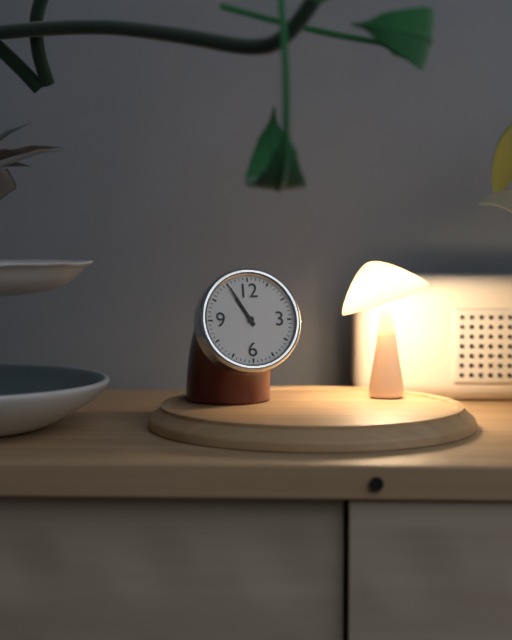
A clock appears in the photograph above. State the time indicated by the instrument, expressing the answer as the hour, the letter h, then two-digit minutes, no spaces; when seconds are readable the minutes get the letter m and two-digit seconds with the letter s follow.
10h55
